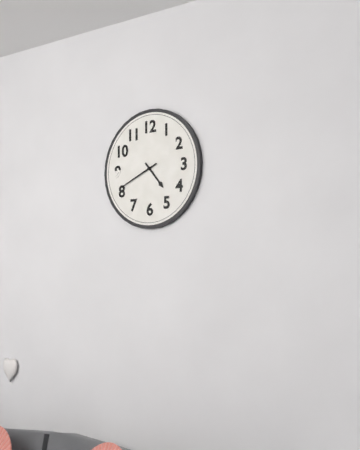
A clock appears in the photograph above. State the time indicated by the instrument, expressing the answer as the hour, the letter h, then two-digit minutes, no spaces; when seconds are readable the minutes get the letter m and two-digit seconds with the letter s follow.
4h41
